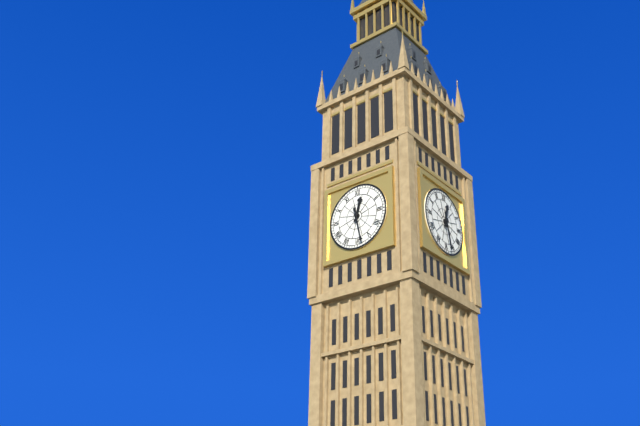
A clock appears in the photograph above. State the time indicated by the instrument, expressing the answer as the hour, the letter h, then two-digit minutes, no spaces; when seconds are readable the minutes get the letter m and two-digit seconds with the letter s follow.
12h28
